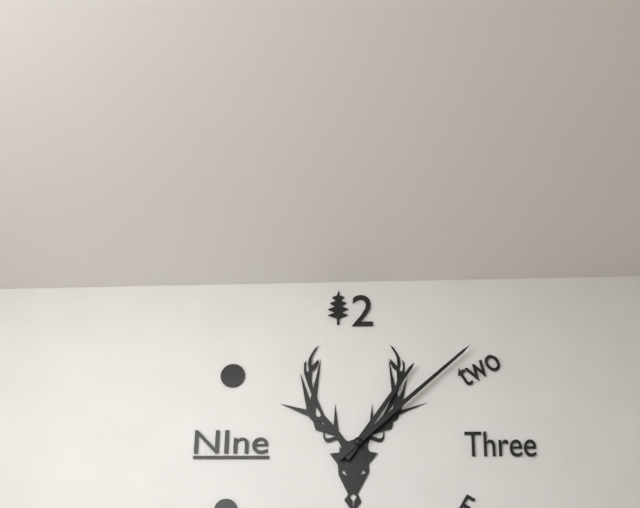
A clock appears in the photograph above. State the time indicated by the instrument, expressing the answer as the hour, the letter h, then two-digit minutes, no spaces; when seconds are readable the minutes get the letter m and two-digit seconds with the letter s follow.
1h08
